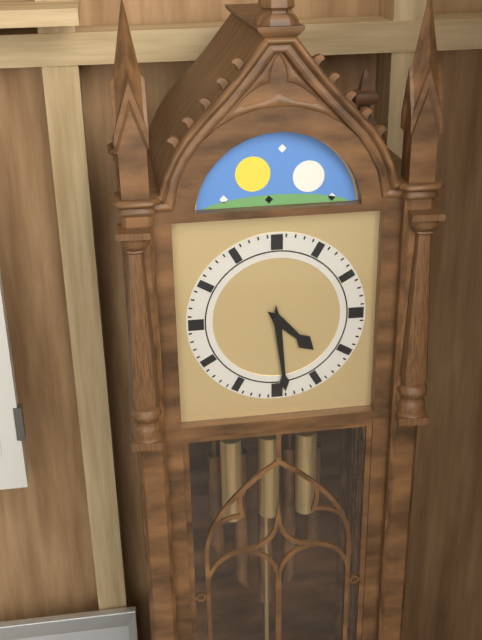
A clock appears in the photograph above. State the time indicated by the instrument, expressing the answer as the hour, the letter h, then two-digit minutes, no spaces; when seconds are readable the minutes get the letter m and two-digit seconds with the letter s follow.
4h29
